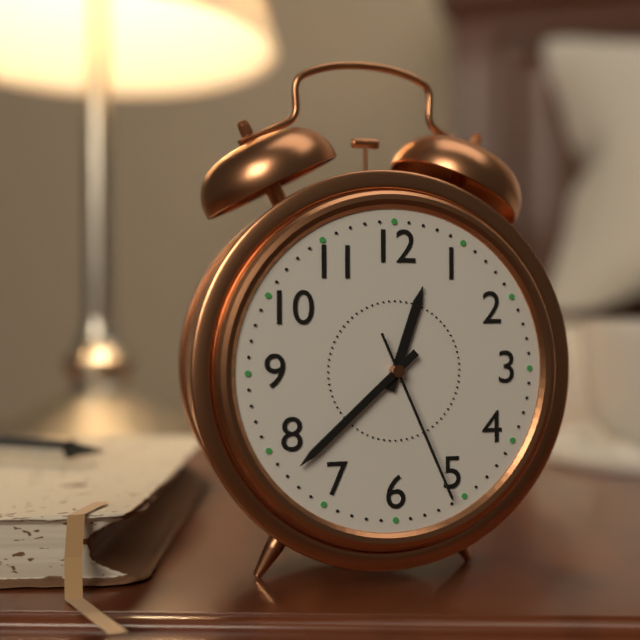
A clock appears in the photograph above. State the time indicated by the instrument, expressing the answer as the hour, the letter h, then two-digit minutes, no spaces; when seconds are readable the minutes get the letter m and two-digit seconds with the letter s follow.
12h38m26s
